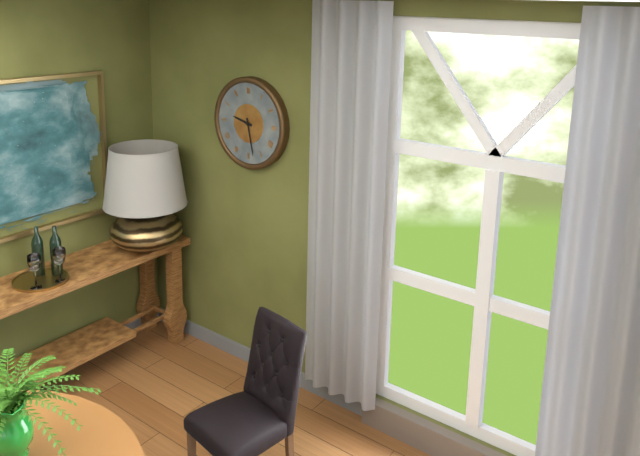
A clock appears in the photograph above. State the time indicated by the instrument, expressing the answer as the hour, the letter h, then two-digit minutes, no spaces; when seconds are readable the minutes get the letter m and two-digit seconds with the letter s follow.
9h28
